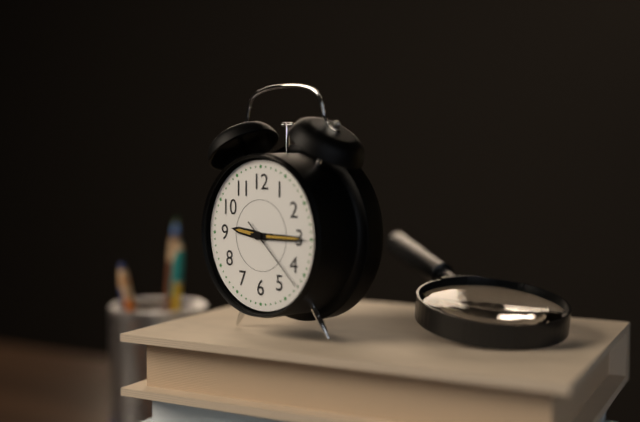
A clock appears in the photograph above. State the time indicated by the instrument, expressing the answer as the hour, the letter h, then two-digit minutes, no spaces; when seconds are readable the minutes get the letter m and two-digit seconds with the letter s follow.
9h15m22s
